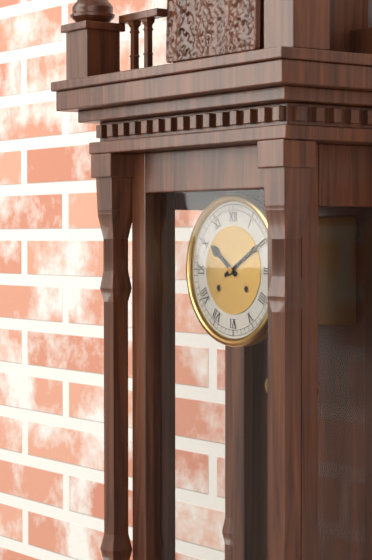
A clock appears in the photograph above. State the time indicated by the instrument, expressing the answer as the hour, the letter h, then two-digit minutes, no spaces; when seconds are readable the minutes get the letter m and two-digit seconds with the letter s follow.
10h10
